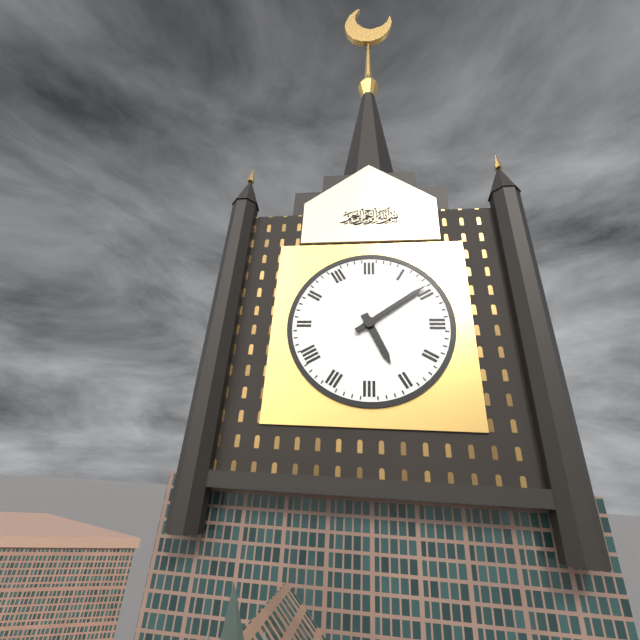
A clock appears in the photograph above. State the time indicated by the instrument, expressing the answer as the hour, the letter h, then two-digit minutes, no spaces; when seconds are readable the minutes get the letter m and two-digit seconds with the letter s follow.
5h09
